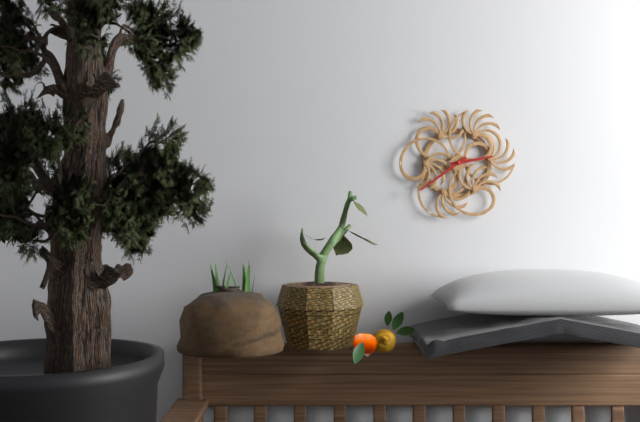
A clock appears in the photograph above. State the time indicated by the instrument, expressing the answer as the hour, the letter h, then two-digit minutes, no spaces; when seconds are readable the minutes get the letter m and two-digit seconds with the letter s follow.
2h39
